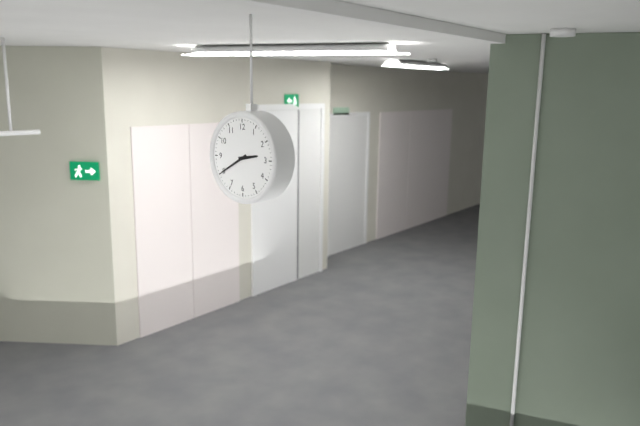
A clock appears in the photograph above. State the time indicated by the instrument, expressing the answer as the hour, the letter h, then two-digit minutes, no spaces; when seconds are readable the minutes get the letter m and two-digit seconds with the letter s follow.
2h40
